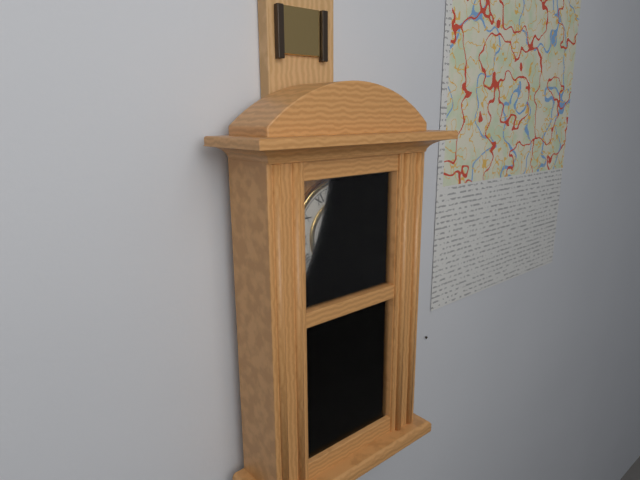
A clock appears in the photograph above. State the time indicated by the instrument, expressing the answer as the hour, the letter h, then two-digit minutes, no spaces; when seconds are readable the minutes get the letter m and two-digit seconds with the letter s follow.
2h24
